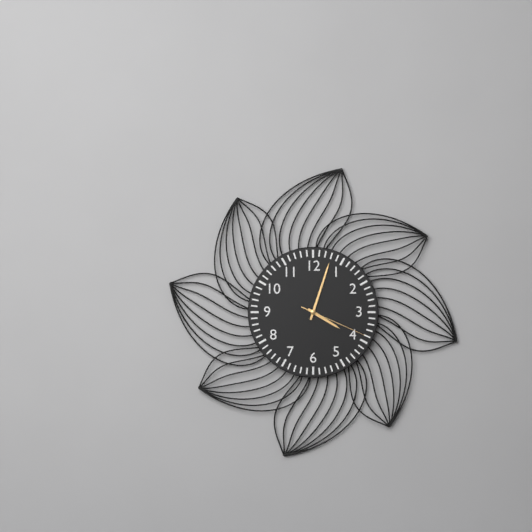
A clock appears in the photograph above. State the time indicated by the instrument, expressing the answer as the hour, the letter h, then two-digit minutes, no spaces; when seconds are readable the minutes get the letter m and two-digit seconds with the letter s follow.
4h03m19s
